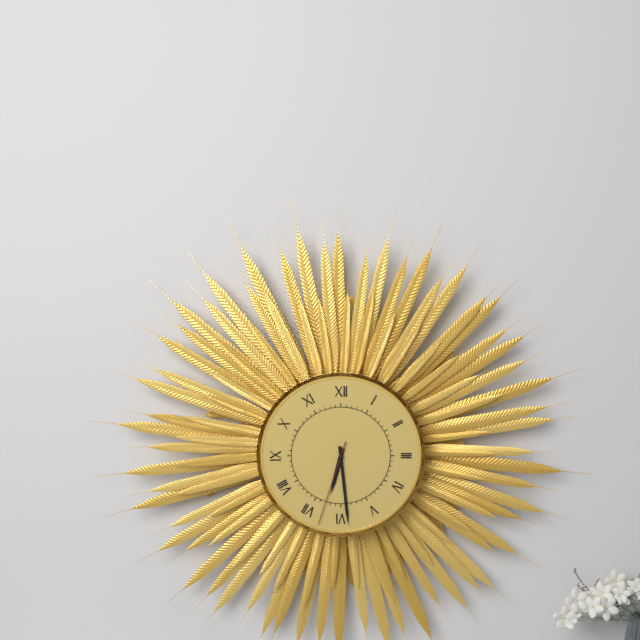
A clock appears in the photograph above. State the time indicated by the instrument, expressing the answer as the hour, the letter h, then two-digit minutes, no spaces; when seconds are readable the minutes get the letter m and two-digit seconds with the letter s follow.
6h29m33s
